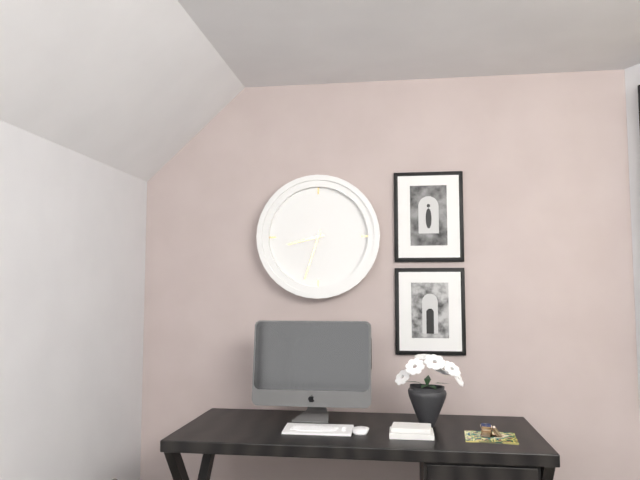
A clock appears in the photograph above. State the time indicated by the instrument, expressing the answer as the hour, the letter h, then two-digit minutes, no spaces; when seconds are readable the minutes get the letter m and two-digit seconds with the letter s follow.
8h33
